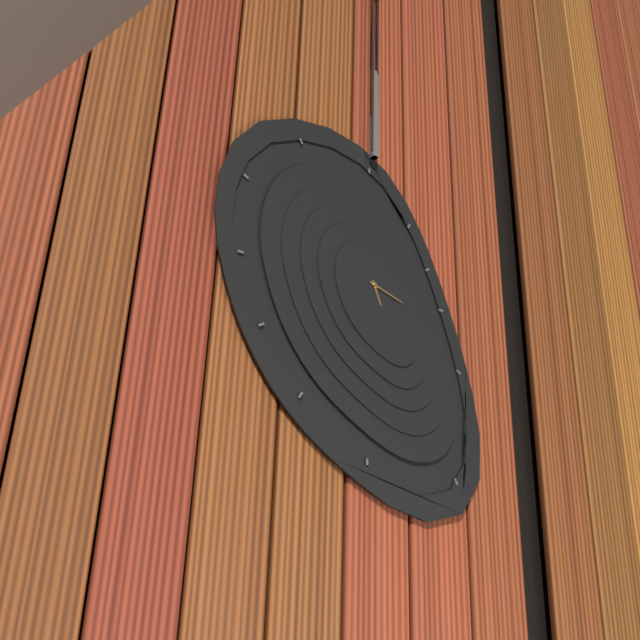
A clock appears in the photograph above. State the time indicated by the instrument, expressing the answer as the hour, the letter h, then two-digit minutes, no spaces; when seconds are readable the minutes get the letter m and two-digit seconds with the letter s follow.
5h18
